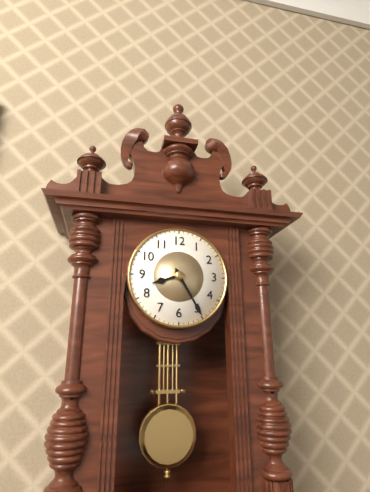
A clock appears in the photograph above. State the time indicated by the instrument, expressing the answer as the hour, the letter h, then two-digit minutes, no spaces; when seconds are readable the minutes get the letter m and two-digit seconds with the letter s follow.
8h25
